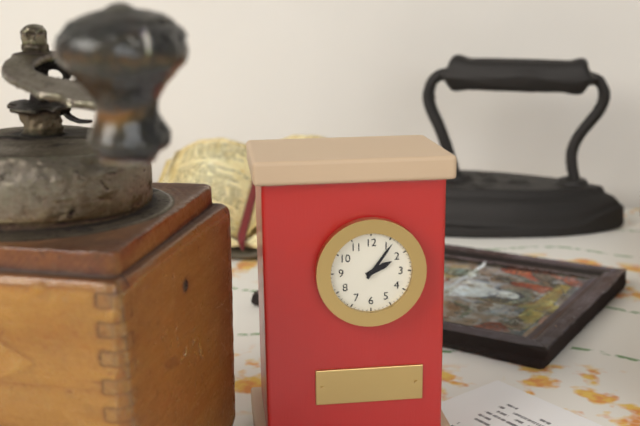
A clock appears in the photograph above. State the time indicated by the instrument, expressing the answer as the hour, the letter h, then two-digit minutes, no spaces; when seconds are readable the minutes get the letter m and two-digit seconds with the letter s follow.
2h06
